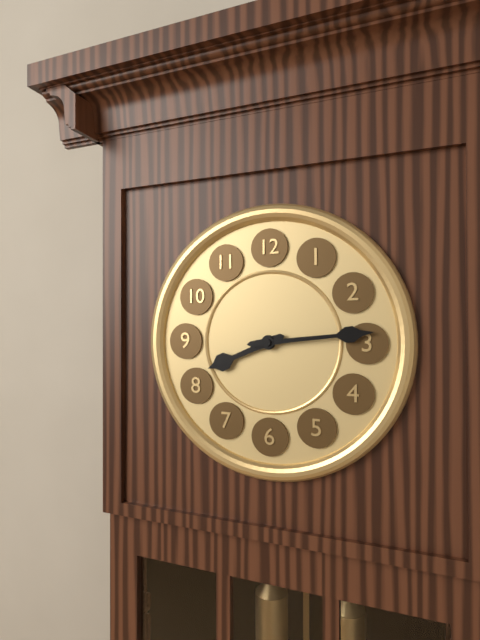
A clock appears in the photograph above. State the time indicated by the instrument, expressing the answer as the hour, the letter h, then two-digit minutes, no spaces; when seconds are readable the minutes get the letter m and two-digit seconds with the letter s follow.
8h14
